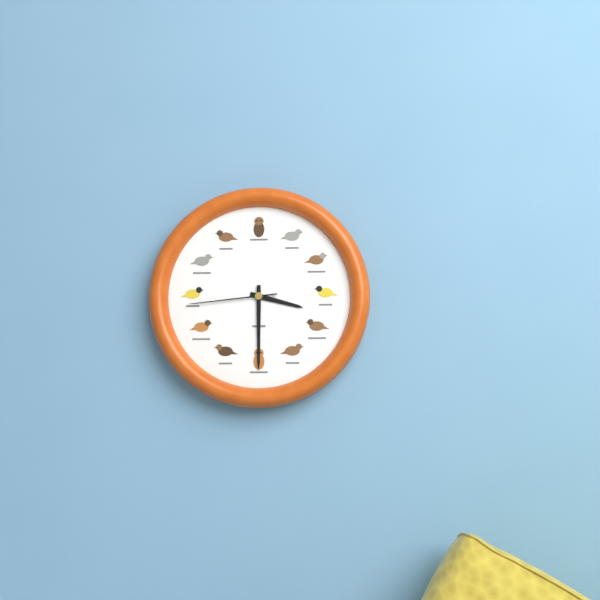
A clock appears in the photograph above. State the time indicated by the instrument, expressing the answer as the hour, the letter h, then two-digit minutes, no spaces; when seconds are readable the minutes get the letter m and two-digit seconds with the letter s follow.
3h30m44s
